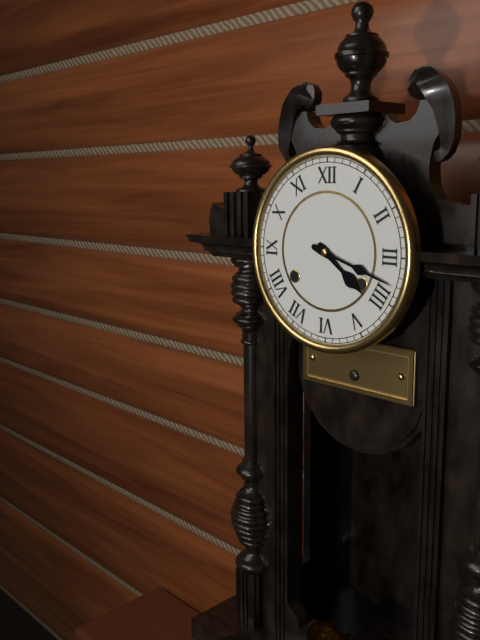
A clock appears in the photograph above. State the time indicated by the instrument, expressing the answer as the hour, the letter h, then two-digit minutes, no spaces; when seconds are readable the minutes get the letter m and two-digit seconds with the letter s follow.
4h18
